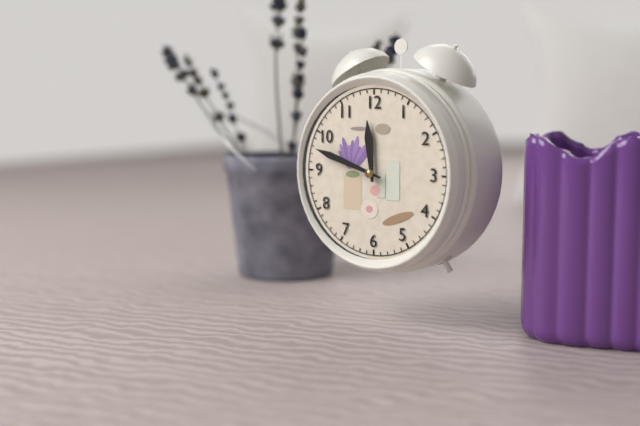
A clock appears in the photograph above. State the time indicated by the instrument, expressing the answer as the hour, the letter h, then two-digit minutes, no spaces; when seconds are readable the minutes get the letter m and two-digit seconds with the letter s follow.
11h48
